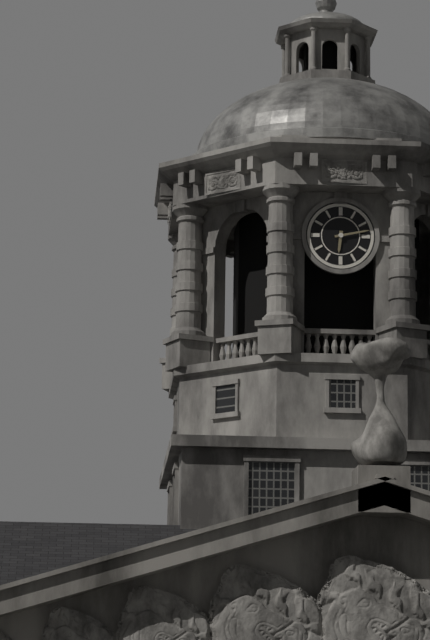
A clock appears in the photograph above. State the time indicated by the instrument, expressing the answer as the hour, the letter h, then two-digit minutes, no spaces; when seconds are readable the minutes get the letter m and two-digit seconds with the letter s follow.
6h13
